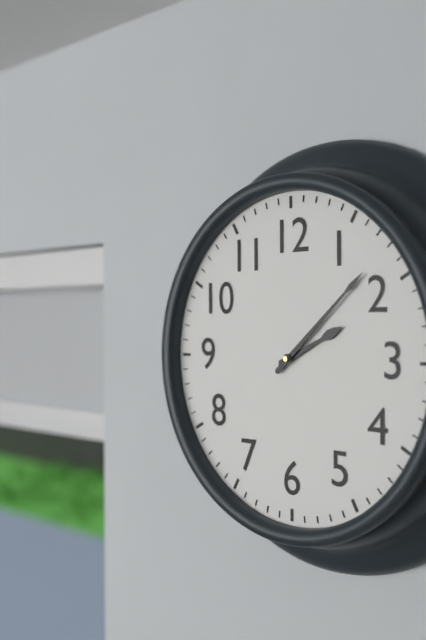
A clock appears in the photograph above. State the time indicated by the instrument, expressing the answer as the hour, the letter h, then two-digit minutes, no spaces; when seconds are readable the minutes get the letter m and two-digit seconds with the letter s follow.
2h08
